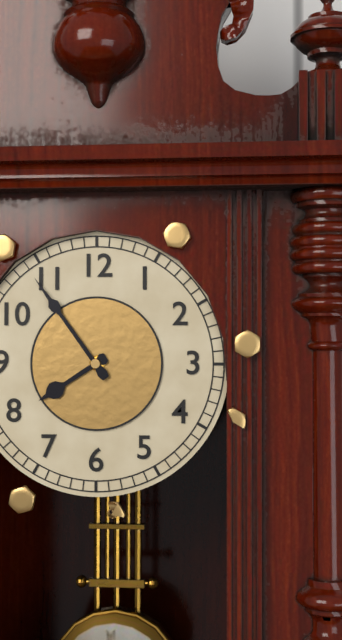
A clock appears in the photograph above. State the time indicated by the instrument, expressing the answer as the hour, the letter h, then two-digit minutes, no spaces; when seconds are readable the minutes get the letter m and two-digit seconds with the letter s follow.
7h54
